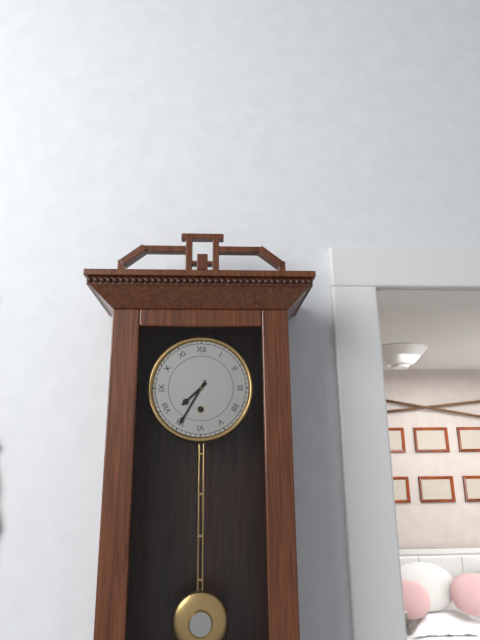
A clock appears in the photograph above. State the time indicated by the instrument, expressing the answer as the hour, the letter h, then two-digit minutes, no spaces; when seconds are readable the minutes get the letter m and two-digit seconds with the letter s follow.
7h35
